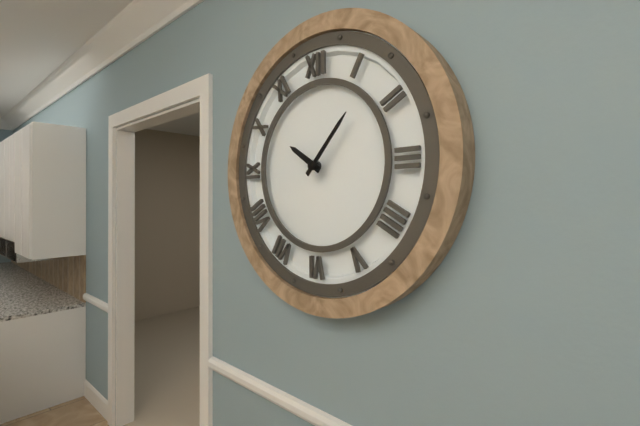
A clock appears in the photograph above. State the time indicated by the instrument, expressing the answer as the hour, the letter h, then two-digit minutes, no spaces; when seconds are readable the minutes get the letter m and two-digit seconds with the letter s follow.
10h07
